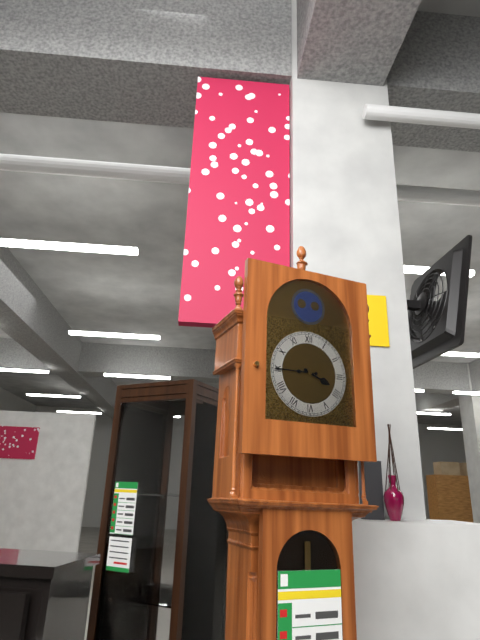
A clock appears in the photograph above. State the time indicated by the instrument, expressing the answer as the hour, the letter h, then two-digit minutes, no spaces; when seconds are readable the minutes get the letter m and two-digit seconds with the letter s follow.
3h45
